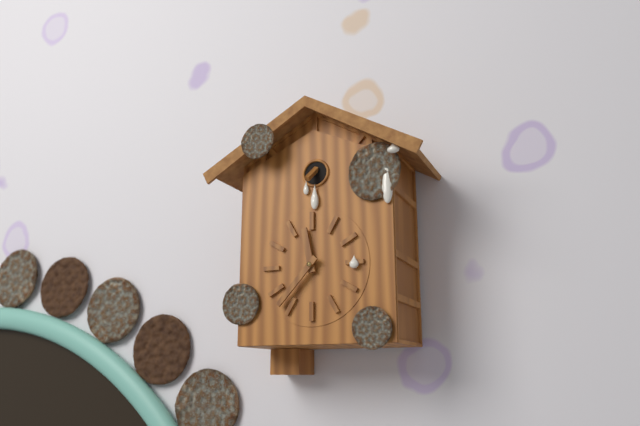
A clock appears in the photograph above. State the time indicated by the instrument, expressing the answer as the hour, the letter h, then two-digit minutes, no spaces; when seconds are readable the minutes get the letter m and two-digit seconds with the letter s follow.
11h37
